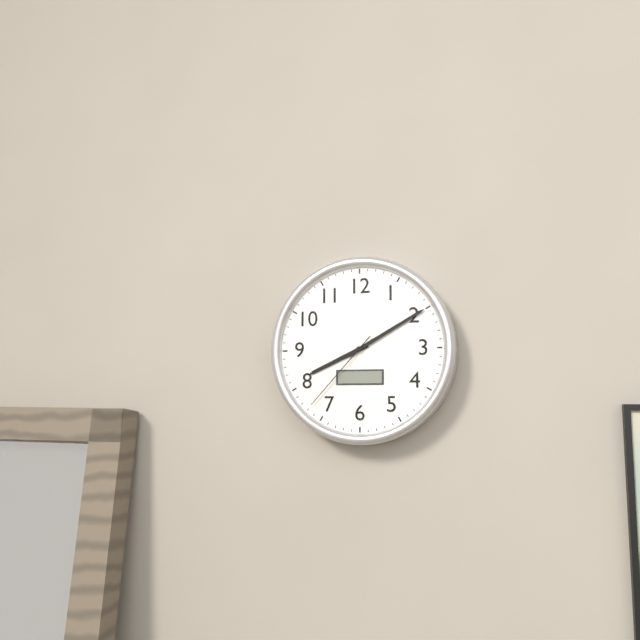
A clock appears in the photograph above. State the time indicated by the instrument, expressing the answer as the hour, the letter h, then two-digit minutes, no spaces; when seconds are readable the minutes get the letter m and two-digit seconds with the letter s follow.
8h10m37s
